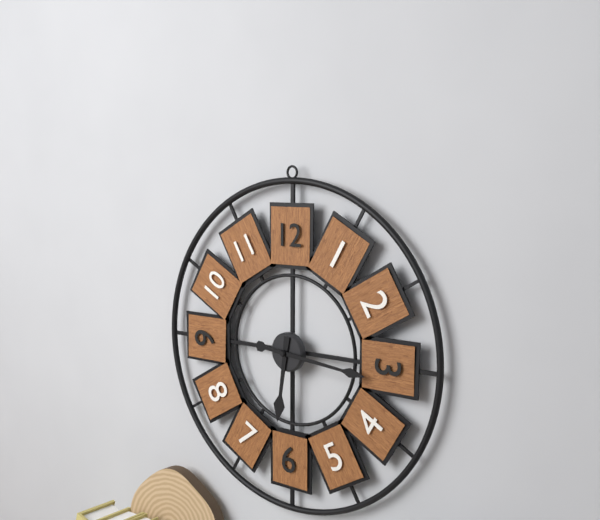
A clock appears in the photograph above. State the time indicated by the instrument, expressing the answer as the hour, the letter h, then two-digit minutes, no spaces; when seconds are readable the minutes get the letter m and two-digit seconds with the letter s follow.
6h16
